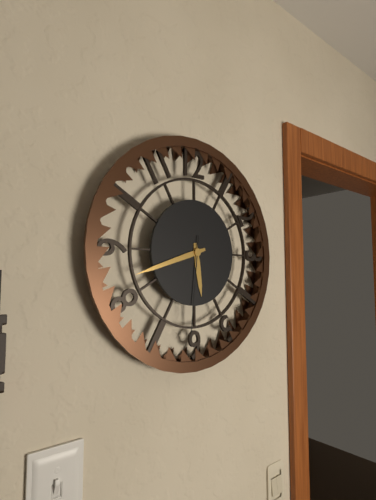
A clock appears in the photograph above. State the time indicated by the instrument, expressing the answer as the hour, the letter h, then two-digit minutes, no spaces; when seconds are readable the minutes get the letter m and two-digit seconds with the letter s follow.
5h42m31s
